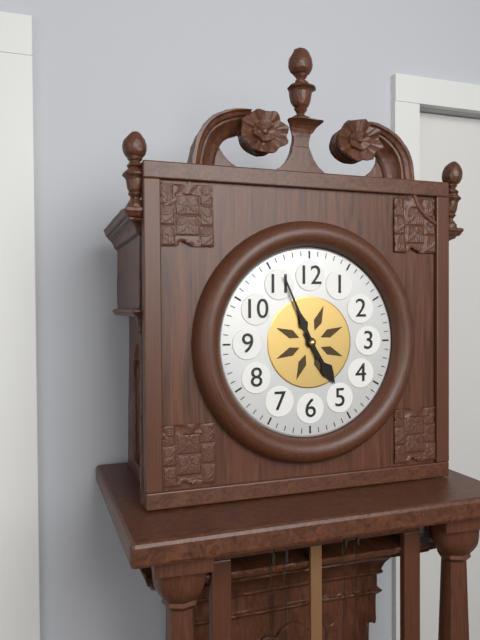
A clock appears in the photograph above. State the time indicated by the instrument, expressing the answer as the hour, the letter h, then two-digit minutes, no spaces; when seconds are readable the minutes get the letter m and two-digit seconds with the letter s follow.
4h56
